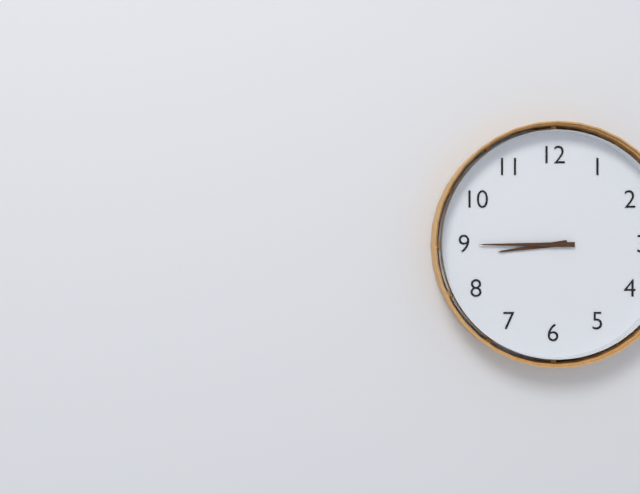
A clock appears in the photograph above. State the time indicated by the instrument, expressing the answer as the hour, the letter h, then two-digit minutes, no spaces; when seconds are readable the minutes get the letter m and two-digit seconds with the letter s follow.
8h45
